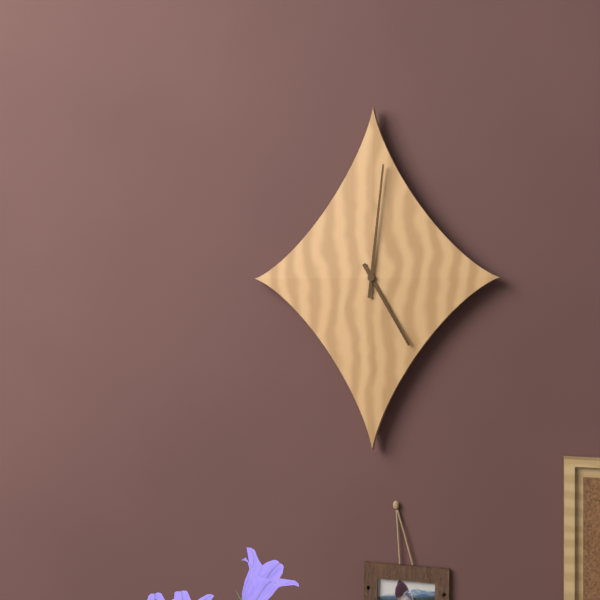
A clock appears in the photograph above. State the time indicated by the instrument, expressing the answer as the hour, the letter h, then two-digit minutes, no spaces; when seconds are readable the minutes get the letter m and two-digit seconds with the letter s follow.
5h01
